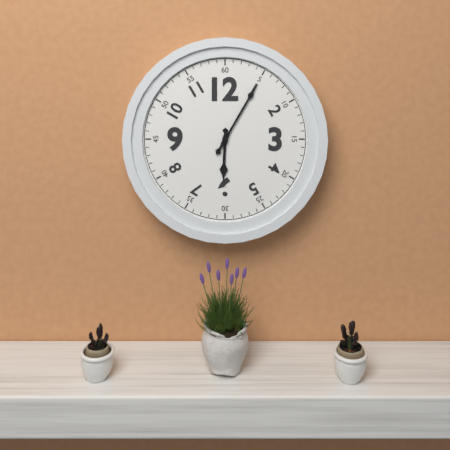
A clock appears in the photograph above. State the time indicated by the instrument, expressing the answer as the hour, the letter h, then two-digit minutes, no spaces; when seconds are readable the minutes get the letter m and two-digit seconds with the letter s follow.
6h05
